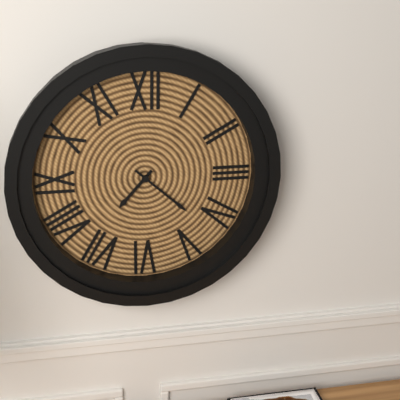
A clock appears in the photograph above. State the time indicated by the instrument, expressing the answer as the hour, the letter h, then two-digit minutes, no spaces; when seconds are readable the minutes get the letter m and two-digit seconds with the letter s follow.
7h22
